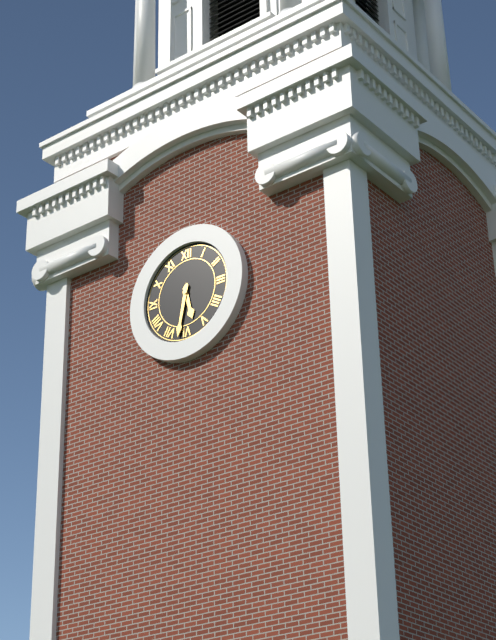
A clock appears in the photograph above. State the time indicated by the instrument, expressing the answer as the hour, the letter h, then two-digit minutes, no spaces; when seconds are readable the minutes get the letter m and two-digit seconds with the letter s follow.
5h32
